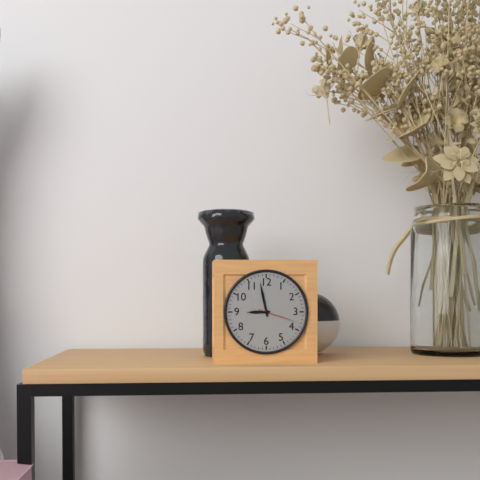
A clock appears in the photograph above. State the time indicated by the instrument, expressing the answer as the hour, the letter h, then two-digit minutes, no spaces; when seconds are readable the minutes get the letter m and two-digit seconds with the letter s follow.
8h58
